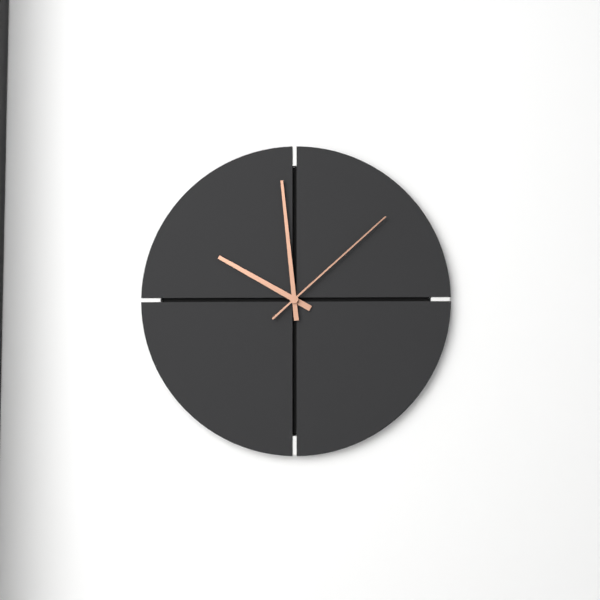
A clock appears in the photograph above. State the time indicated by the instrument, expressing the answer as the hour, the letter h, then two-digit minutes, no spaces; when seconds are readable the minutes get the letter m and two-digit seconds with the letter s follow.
9h59m08s
